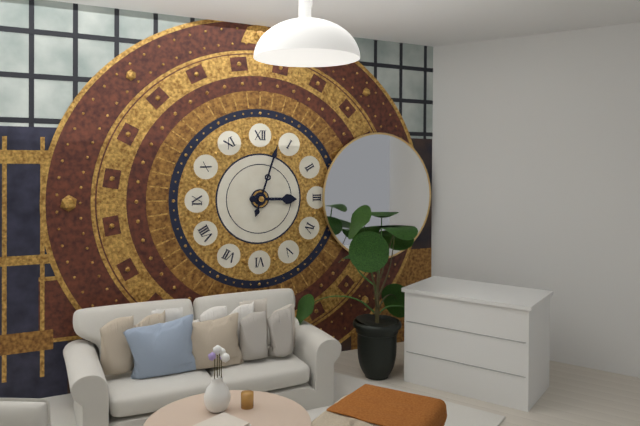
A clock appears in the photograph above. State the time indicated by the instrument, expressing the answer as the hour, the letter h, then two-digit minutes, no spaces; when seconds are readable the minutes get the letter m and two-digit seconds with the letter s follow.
3h03
